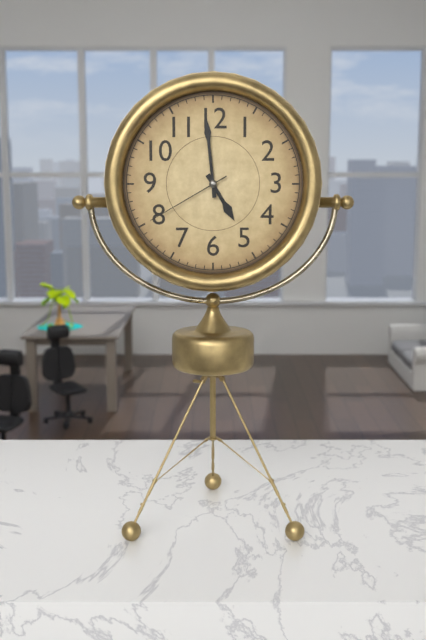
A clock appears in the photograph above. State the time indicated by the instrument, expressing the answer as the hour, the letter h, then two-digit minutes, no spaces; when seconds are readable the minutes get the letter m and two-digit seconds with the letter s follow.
4h59m40s
